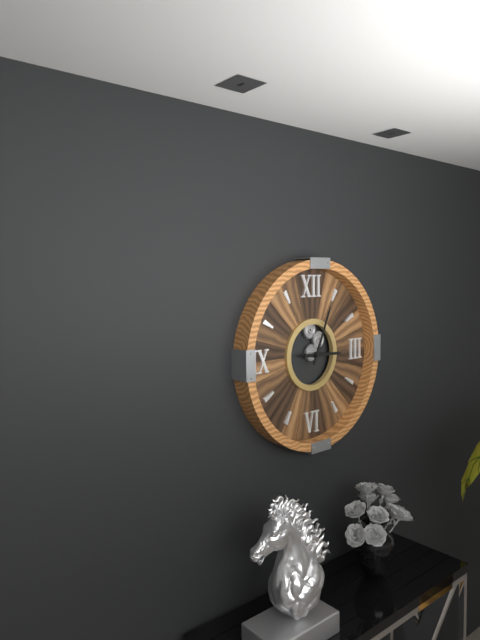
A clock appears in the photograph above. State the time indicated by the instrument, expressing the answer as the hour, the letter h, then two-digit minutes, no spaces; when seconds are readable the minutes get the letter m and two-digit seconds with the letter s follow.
3h04
